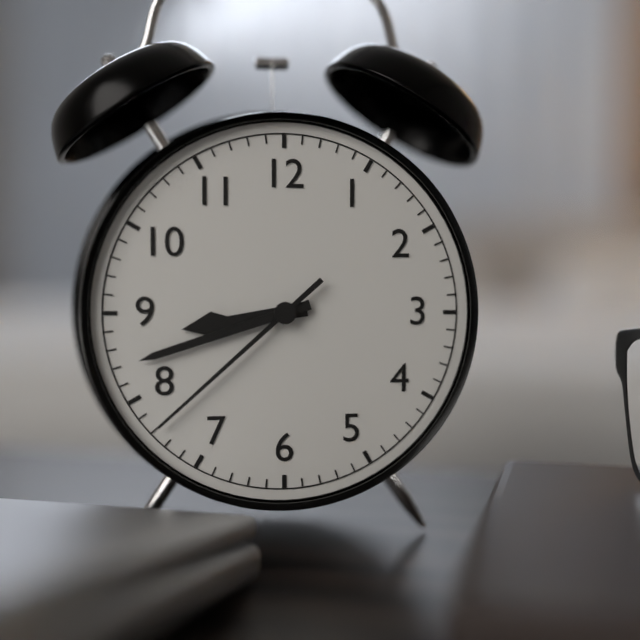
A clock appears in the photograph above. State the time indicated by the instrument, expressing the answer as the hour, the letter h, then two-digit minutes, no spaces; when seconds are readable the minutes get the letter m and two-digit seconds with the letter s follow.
8h42m38s
